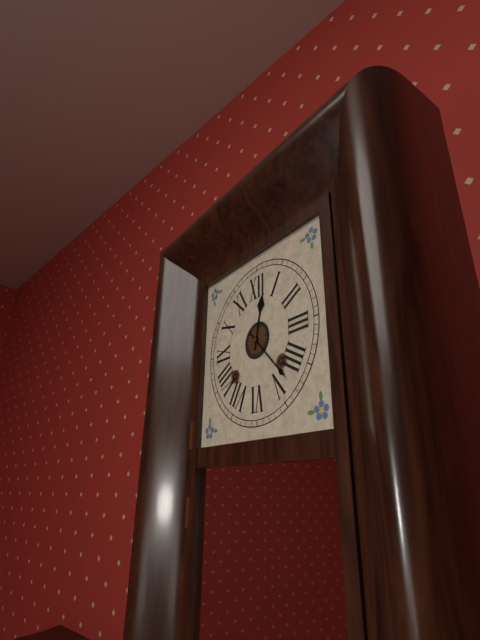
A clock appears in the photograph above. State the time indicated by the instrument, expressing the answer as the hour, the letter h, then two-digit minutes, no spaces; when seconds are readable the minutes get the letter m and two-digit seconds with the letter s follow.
12h23
